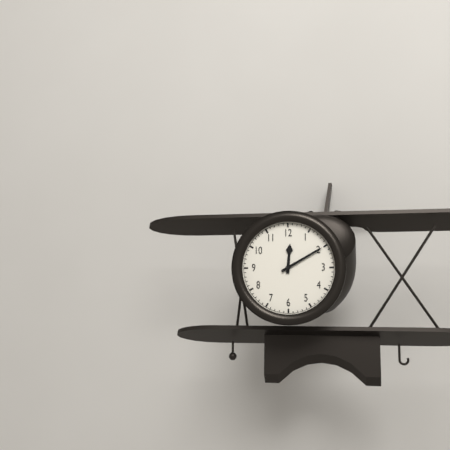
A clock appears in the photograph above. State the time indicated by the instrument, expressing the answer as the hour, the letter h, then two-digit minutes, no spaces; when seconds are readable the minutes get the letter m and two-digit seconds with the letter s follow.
12h10
